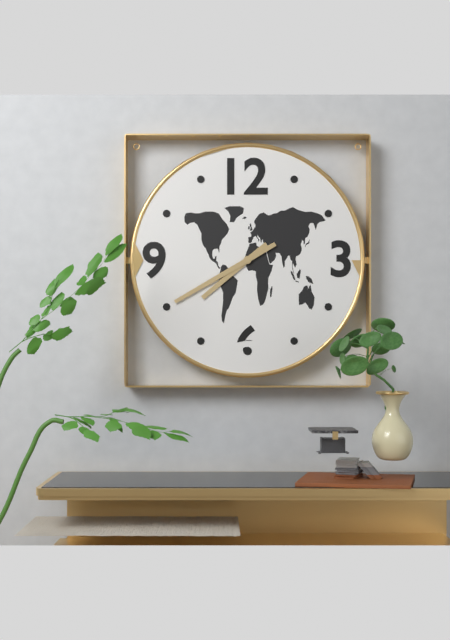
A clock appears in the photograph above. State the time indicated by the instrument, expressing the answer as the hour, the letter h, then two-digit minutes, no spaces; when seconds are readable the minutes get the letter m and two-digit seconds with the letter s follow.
7h40
